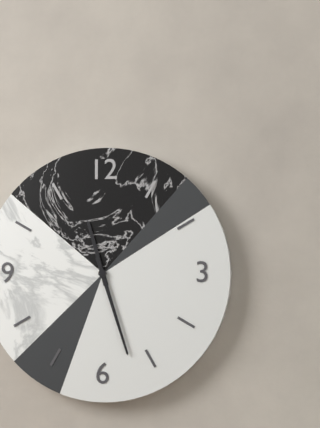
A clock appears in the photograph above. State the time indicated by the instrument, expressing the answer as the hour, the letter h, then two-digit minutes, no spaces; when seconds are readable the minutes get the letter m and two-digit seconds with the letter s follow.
11h27
